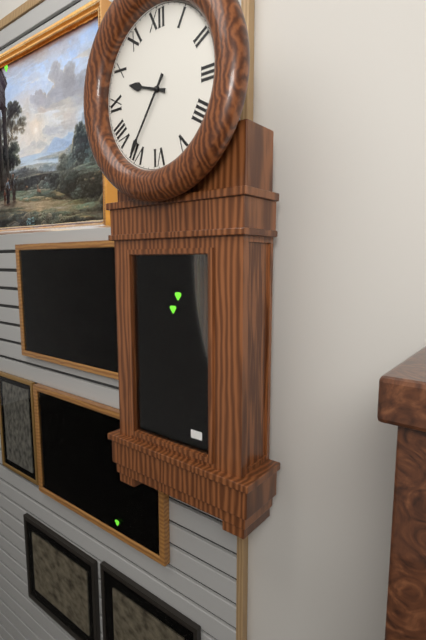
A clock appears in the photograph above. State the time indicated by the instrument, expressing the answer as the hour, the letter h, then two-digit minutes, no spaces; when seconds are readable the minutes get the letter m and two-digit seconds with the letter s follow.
9h36
